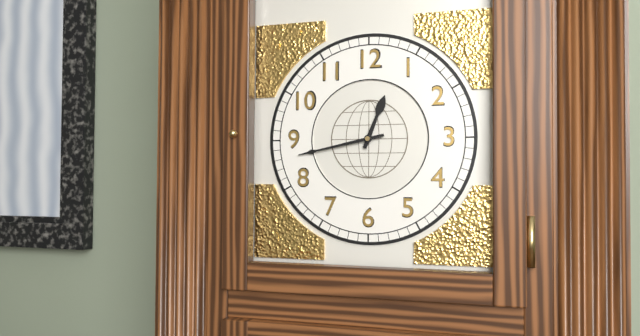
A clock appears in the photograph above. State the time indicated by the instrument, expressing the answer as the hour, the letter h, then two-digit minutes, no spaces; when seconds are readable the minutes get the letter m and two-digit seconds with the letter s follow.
12h43
